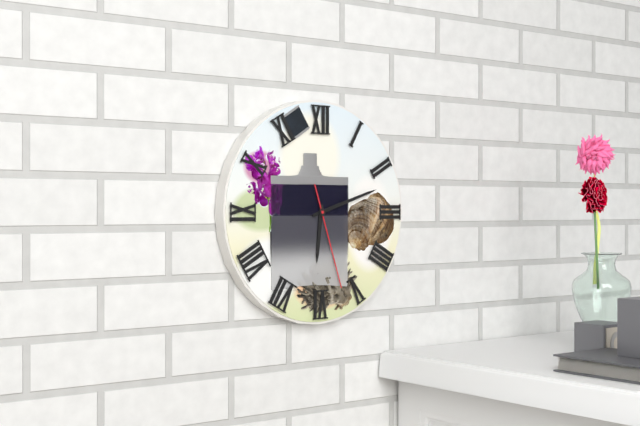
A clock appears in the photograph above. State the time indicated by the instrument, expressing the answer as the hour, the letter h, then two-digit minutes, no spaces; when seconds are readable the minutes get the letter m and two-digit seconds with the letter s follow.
6h12m27s
